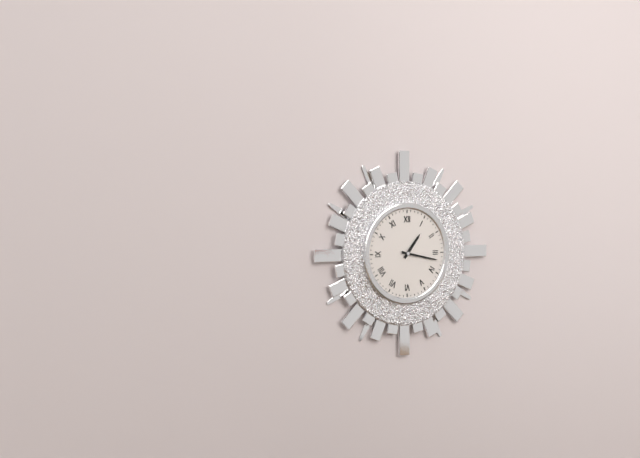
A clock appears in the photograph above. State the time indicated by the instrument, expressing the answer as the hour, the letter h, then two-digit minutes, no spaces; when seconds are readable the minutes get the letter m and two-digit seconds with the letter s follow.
1h17
